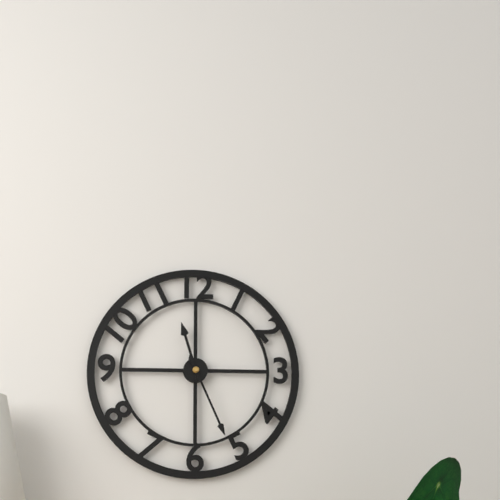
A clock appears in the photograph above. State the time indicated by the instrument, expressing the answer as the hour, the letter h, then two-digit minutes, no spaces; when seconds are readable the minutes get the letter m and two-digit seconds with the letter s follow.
11h26
